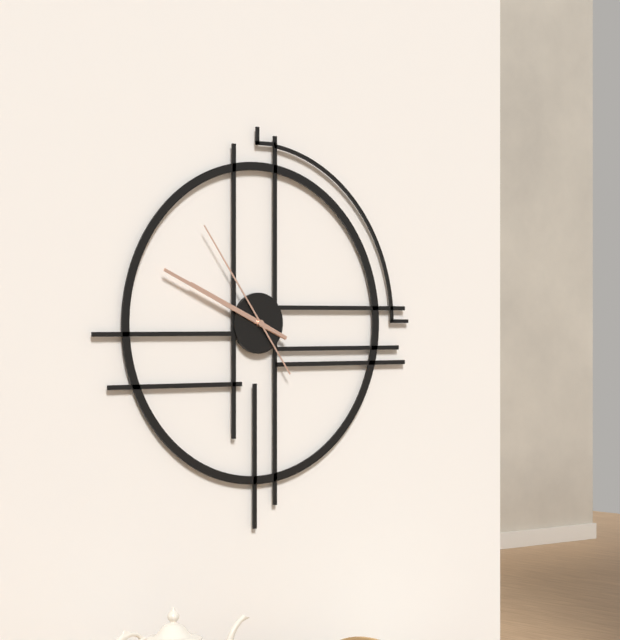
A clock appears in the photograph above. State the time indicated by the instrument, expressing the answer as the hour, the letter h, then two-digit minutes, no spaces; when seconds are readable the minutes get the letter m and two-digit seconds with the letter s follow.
9h49m54s
